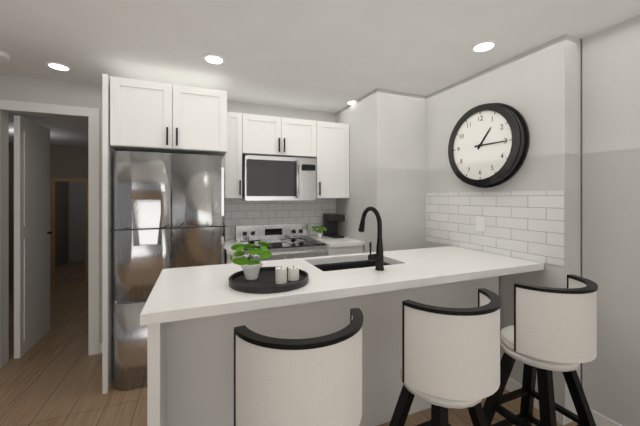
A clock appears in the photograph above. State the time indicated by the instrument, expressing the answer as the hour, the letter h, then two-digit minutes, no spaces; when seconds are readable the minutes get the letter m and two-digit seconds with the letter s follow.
1h15
